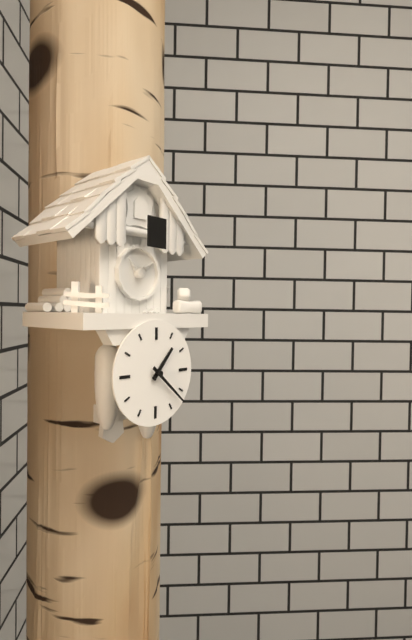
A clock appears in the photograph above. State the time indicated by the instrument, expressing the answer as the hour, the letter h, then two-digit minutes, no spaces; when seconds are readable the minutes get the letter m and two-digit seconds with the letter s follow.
1h22
